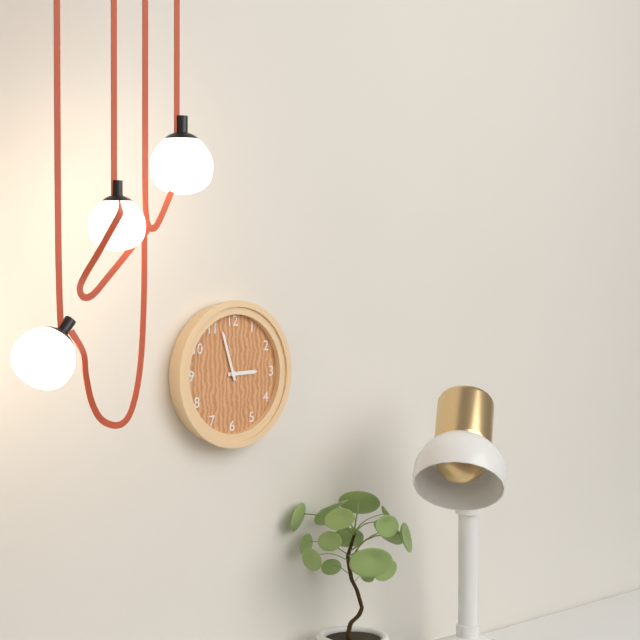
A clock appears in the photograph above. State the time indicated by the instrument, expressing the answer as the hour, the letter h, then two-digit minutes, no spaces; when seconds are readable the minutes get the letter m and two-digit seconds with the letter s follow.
2h57
